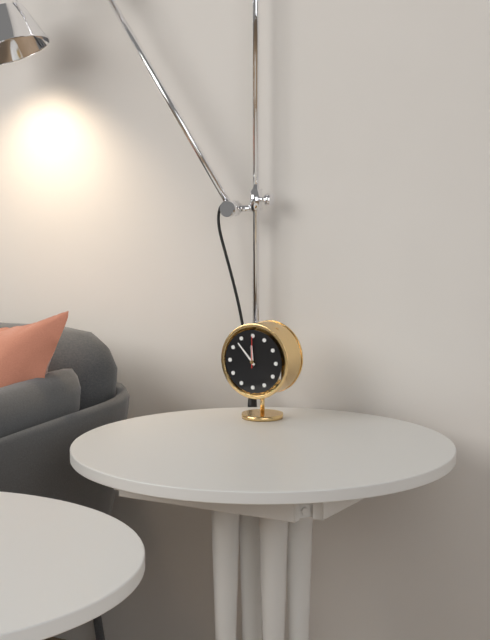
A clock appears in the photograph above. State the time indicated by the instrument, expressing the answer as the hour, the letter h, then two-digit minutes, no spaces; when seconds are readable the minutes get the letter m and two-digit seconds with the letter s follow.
11h53
